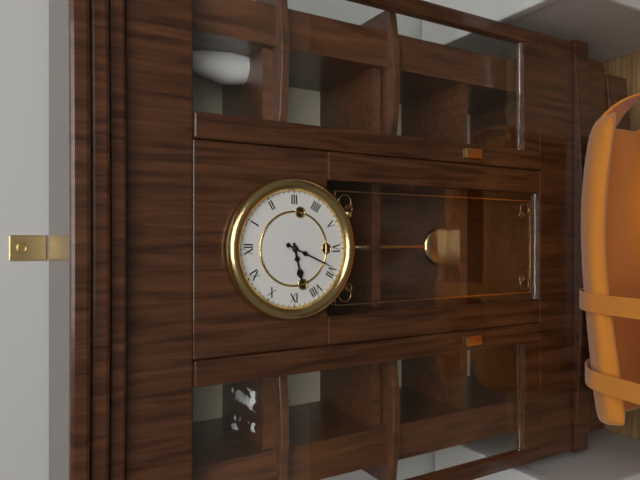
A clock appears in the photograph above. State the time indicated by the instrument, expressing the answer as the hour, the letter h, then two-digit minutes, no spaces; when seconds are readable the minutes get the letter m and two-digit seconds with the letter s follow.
8h34
